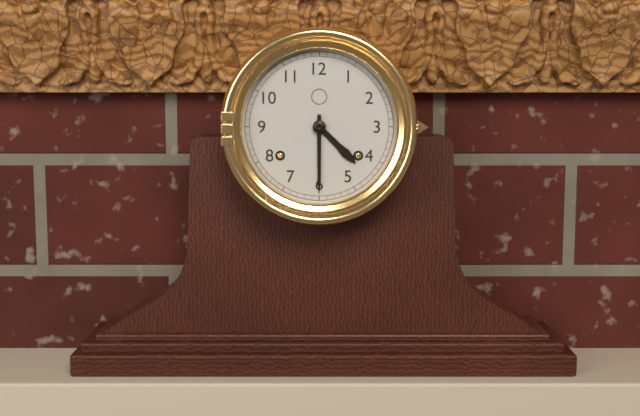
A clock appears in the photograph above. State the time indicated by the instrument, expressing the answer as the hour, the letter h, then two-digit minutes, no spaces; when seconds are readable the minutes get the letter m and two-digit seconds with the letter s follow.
4h30
